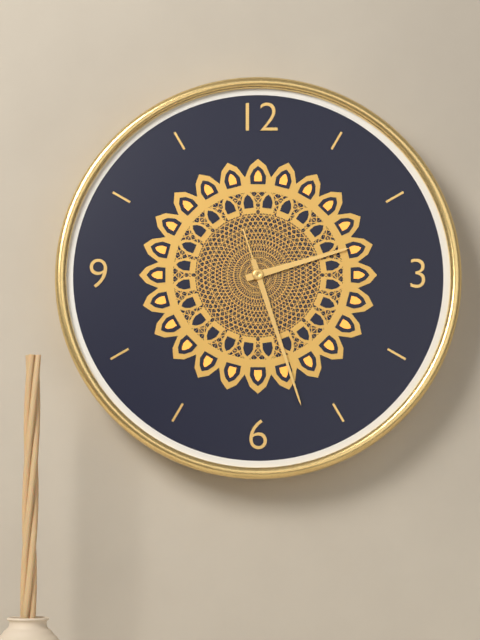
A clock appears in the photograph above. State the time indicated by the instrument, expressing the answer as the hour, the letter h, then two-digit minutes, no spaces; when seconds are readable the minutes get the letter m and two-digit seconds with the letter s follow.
2h27m27s
